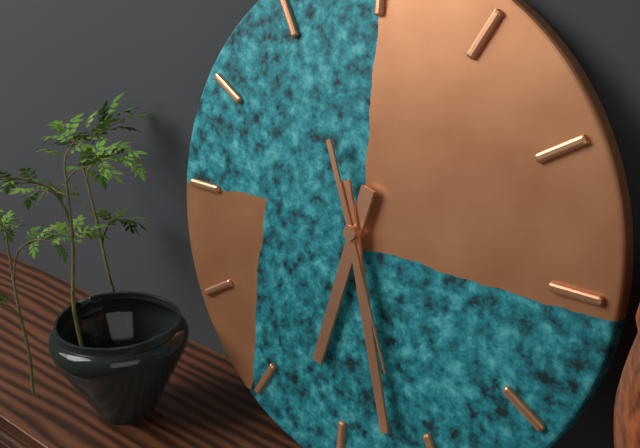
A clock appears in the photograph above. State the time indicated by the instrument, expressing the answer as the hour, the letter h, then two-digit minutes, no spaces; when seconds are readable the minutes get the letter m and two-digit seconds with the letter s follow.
6h27m26s
